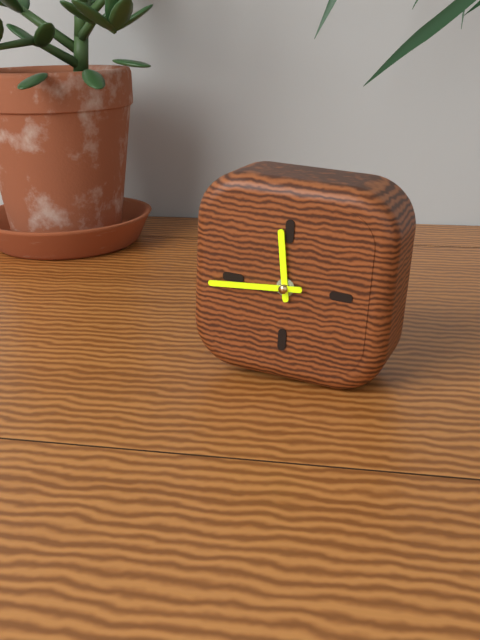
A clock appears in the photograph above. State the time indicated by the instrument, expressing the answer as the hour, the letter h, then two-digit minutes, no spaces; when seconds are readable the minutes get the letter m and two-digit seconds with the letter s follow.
11h44
